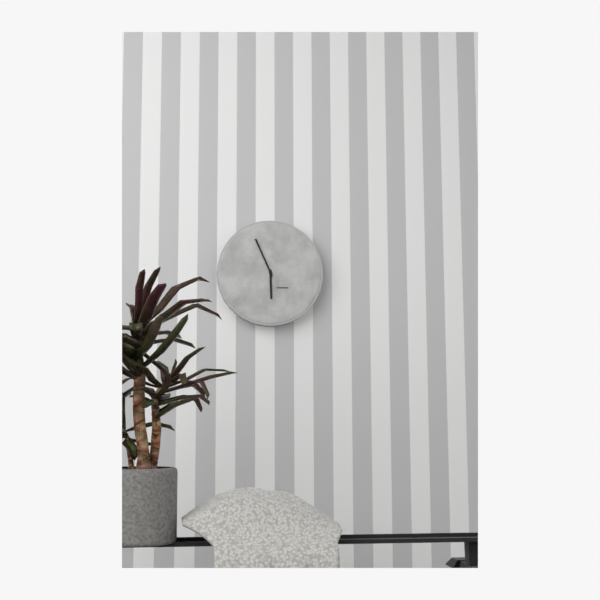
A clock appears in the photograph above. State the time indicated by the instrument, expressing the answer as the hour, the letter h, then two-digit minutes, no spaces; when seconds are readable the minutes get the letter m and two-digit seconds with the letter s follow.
5h56
